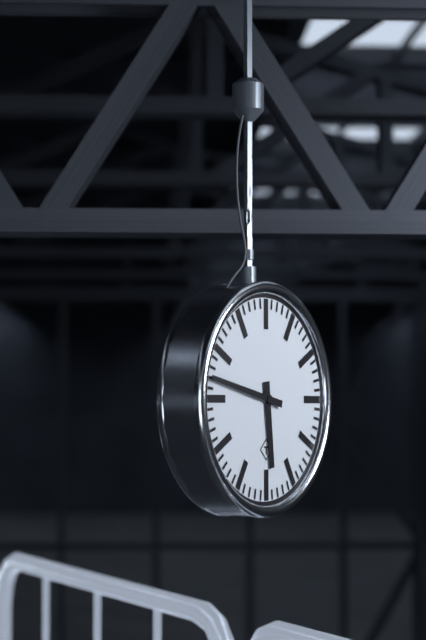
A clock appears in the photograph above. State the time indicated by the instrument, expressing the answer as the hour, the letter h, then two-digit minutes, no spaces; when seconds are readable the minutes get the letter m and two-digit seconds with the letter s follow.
5h47
